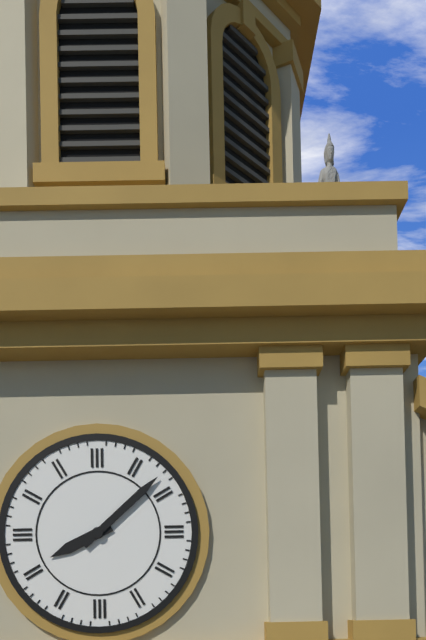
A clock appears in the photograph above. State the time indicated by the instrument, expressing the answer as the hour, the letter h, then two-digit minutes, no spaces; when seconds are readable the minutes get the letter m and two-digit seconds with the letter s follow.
8h08
